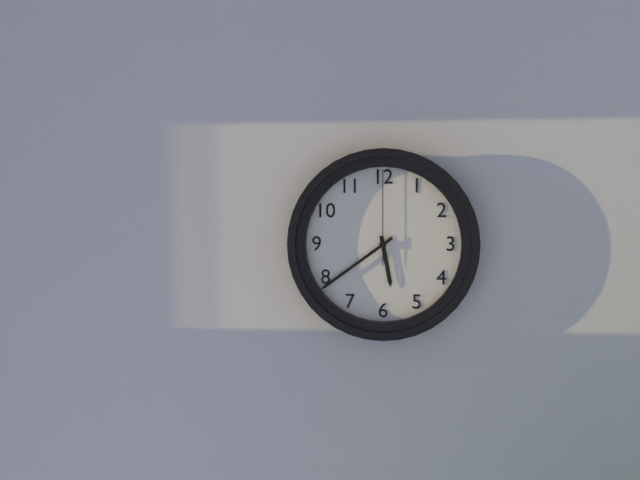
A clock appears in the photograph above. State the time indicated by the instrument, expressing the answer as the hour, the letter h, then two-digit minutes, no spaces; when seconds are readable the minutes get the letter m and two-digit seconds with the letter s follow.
5h39m00s
